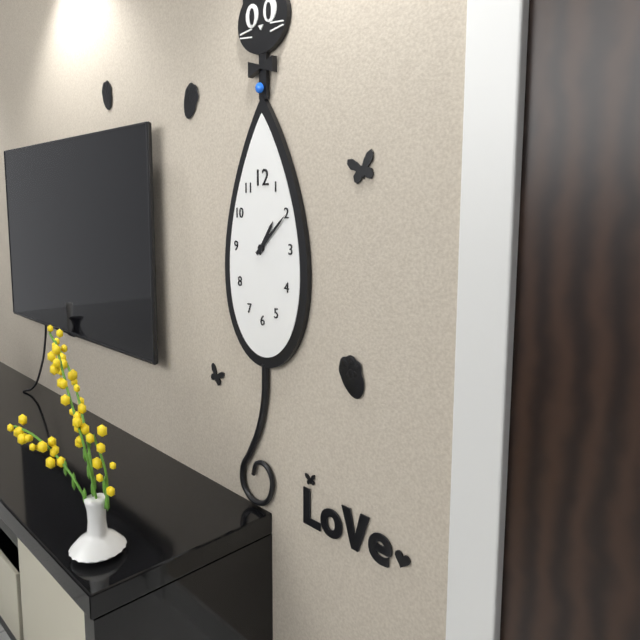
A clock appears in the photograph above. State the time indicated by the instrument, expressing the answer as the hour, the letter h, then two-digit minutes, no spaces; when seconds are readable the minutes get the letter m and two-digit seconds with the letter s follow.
1h08
